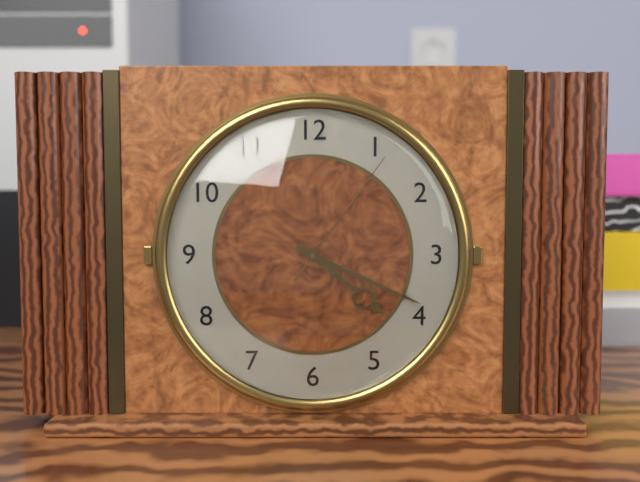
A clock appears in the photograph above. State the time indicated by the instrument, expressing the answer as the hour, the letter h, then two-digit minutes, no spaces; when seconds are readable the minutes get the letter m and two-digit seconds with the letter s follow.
4h19m06s
